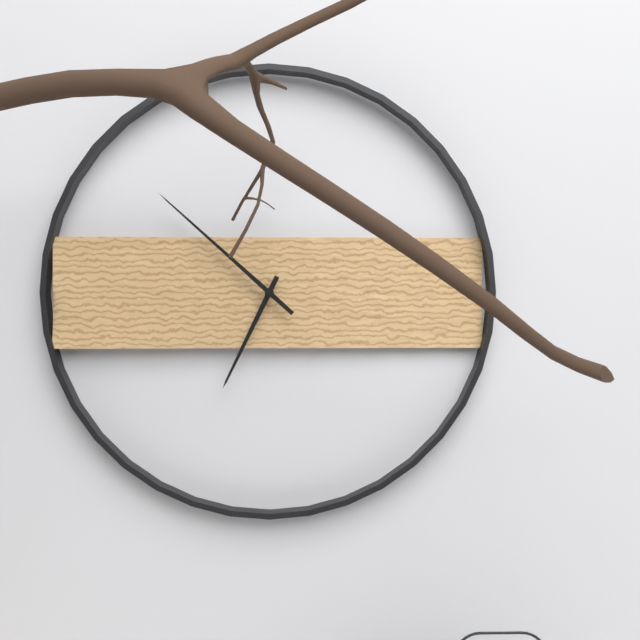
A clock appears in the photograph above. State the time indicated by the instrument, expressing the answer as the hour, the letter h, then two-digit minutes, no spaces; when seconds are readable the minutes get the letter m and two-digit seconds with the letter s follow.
6h52
